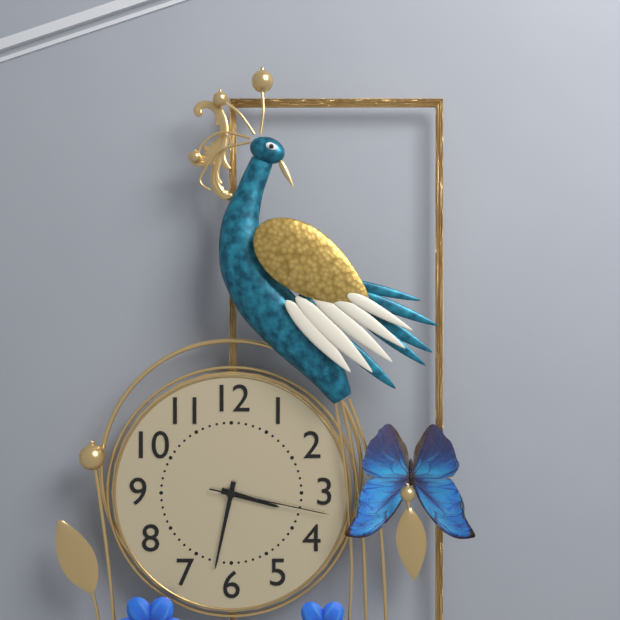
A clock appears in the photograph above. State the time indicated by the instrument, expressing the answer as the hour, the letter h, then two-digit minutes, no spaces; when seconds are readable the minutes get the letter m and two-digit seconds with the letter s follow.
3h32m17s
